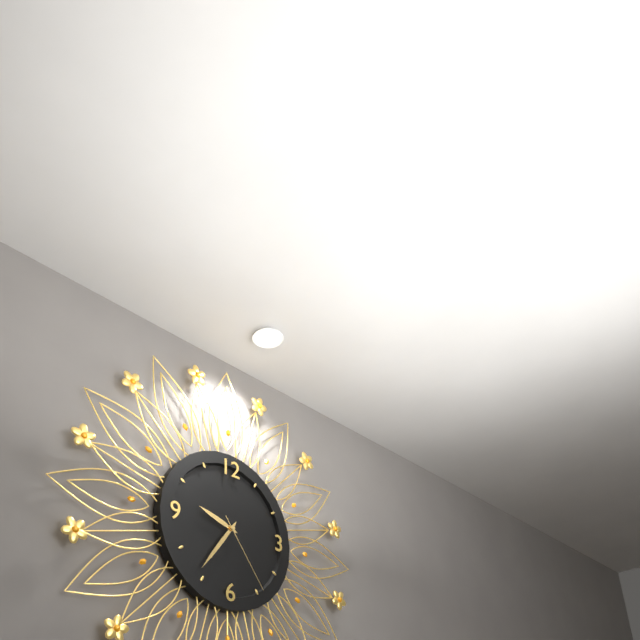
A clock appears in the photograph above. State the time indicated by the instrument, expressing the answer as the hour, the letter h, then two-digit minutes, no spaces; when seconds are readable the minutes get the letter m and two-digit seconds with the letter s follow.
9h36m24s
